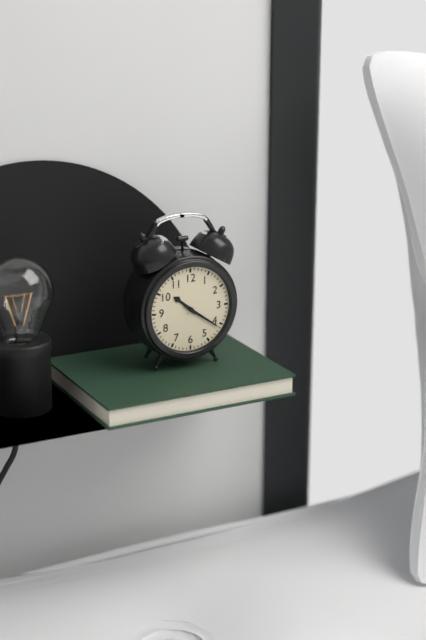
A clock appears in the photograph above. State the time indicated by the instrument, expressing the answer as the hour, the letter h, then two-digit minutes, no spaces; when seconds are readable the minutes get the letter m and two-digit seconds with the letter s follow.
10h21
